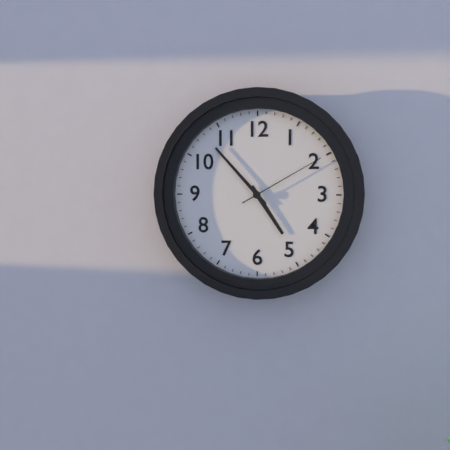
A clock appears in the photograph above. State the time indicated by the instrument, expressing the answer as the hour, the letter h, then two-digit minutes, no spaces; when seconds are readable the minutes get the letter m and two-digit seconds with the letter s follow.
4h53m10s
